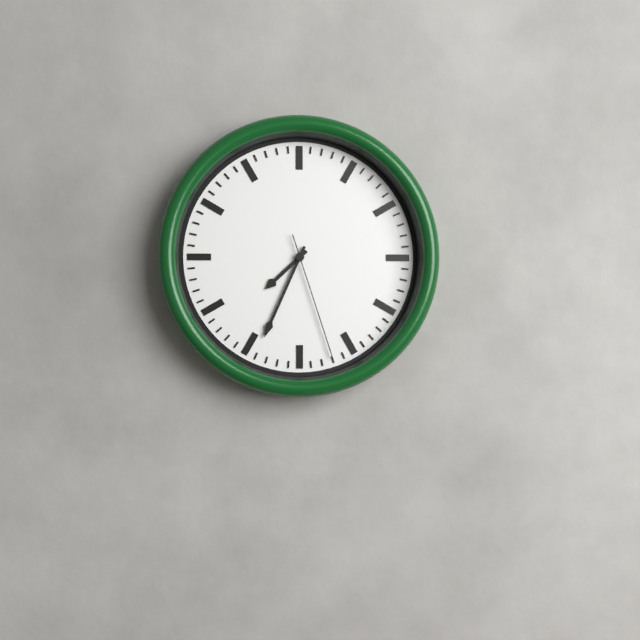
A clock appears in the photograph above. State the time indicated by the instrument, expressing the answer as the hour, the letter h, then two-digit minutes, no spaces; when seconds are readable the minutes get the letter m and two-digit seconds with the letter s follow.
7h34m27s
